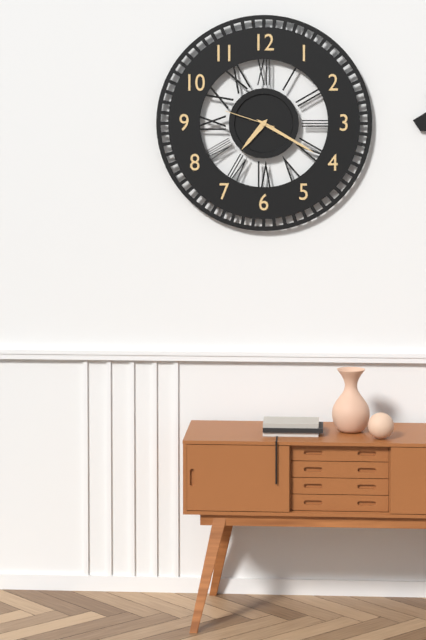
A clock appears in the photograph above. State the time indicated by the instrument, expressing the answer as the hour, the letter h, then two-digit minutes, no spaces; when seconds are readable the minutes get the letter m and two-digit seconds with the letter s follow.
7h20m48s
